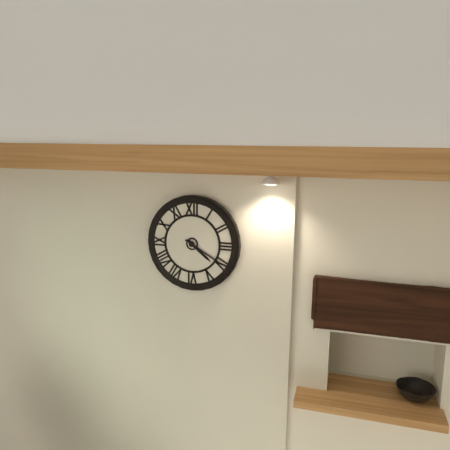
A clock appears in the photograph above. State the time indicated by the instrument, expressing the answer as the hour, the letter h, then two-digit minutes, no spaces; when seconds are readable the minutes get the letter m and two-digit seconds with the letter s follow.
4h20
